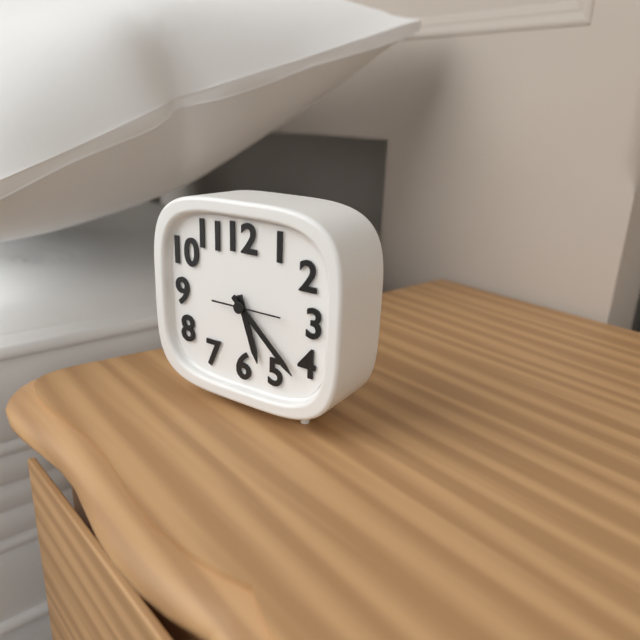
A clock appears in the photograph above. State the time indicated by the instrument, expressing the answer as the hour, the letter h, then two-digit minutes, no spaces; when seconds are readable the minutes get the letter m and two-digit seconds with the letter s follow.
5h22m15s
